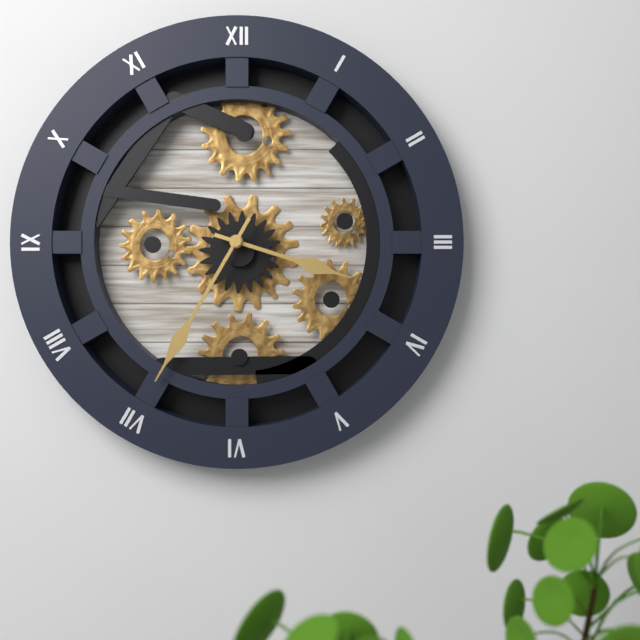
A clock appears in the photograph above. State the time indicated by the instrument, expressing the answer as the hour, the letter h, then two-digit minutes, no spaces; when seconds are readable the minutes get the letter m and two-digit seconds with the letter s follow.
3h35
